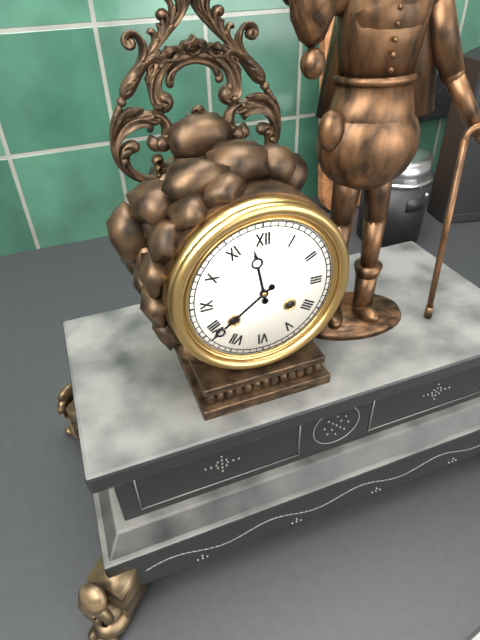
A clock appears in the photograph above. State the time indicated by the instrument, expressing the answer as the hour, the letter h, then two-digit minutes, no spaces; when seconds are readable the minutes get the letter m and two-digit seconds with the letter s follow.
11h39
